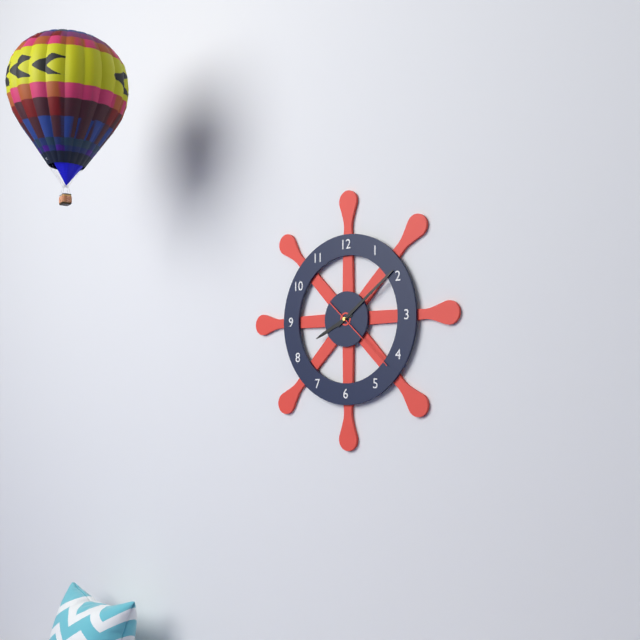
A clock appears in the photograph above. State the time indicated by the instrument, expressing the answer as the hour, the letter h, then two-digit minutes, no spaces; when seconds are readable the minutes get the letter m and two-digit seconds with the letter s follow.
8h09m22s
